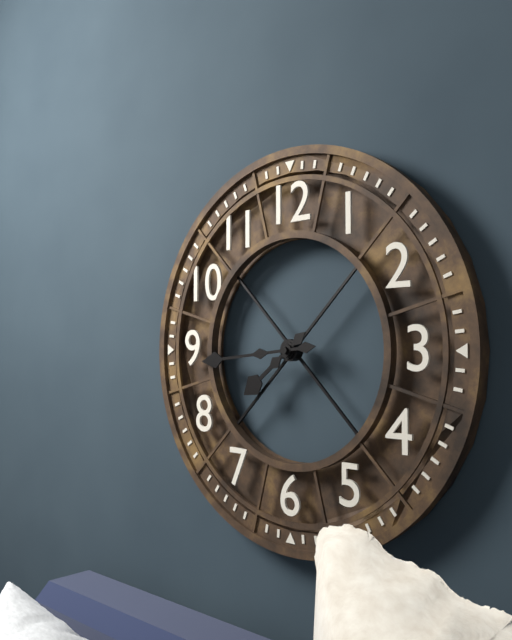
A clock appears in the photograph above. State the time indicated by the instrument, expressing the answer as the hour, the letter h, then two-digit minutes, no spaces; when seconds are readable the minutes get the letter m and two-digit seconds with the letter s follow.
7h44
